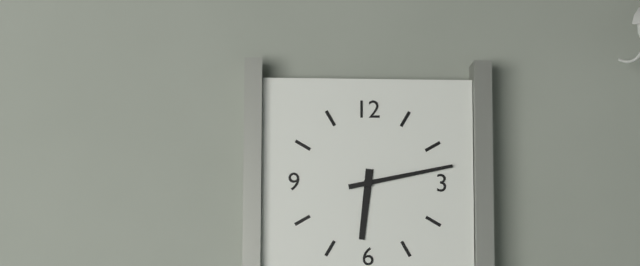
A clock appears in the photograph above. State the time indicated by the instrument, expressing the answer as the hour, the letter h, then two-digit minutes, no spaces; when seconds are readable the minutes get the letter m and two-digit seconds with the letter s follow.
6h13
